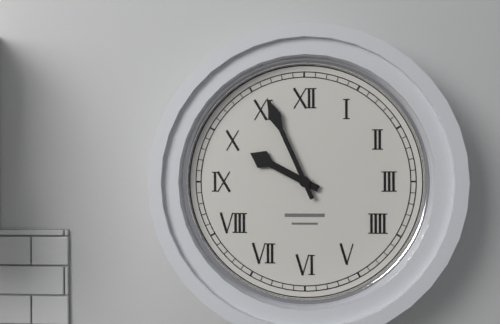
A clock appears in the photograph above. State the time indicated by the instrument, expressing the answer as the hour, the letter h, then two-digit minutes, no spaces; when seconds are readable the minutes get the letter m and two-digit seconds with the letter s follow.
9h56
